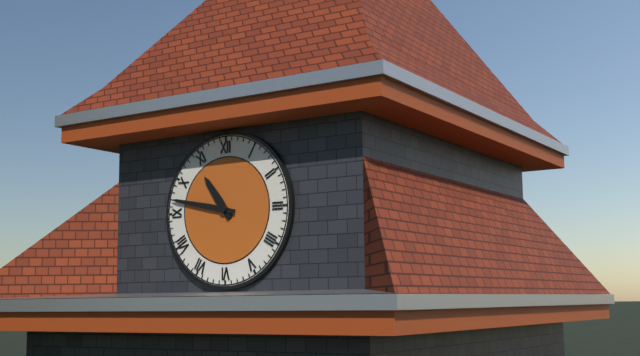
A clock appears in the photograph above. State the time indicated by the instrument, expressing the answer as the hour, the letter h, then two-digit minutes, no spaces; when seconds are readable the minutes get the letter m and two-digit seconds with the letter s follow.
10h47
